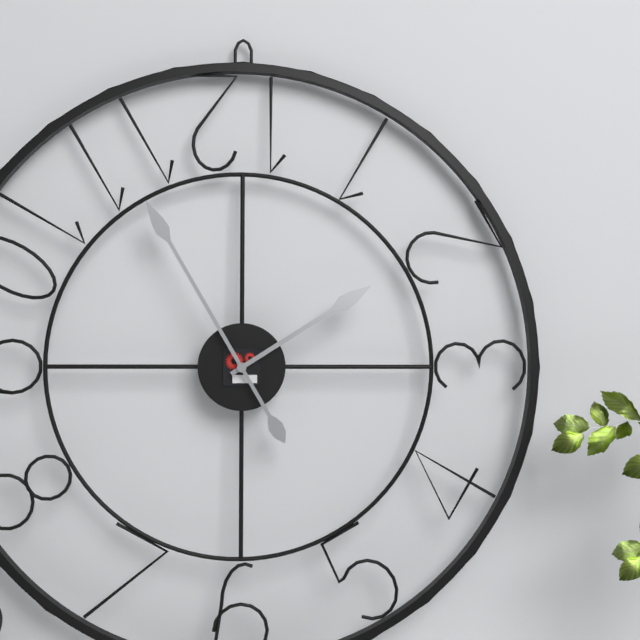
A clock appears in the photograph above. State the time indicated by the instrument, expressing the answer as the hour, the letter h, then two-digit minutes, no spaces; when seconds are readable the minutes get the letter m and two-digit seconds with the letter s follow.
1h55
